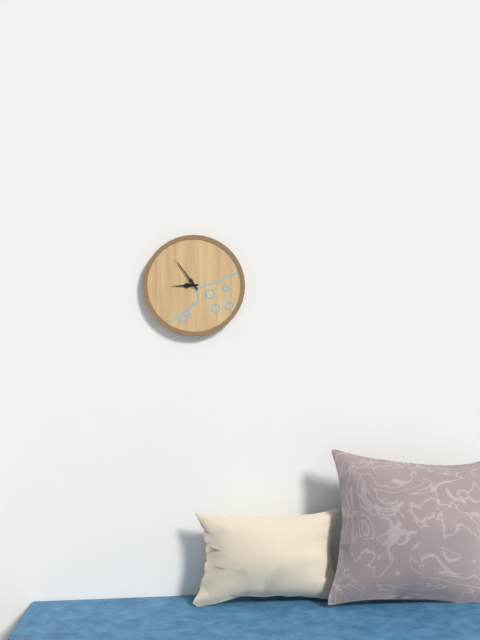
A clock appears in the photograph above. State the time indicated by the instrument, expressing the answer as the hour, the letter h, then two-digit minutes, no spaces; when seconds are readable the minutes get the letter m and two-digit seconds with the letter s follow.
8h54
